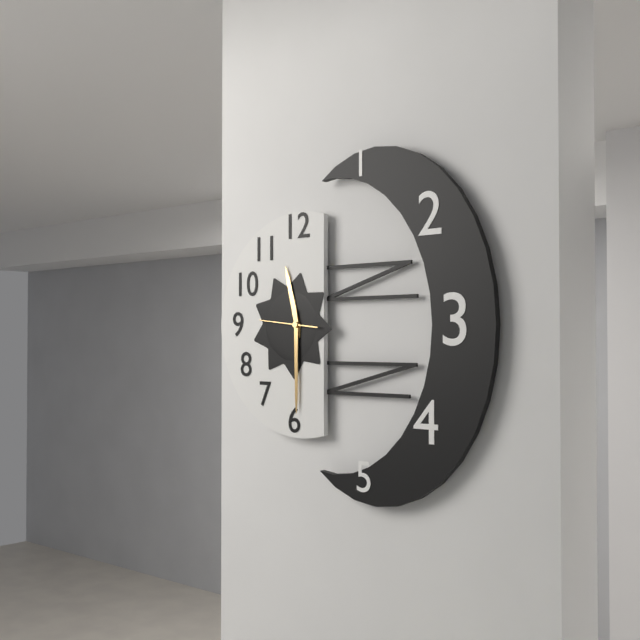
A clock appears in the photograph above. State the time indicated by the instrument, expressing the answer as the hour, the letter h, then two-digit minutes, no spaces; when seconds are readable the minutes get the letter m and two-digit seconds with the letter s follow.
11h30m46s
